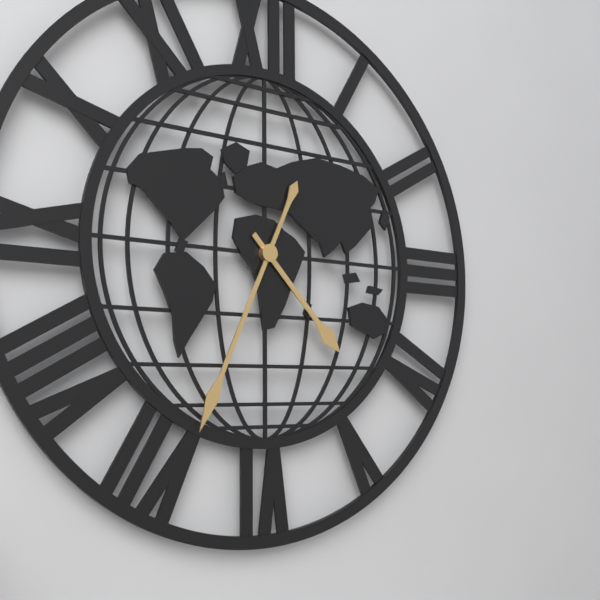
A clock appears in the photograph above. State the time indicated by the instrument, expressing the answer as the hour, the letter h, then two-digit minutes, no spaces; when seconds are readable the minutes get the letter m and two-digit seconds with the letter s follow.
4h34
